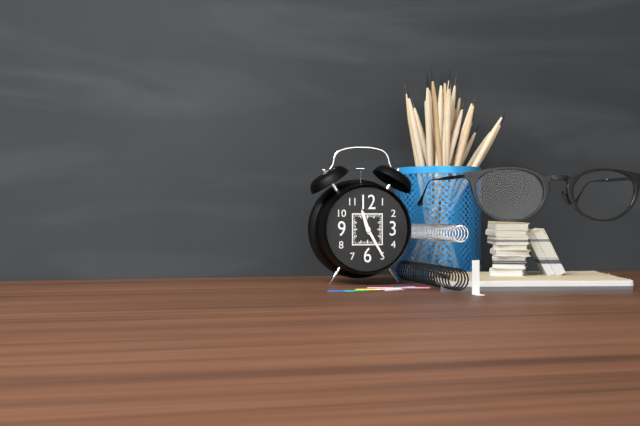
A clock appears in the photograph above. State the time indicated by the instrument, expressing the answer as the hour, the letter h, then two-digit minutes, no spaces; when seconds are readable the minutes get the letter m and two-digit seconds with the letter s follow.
11h25
